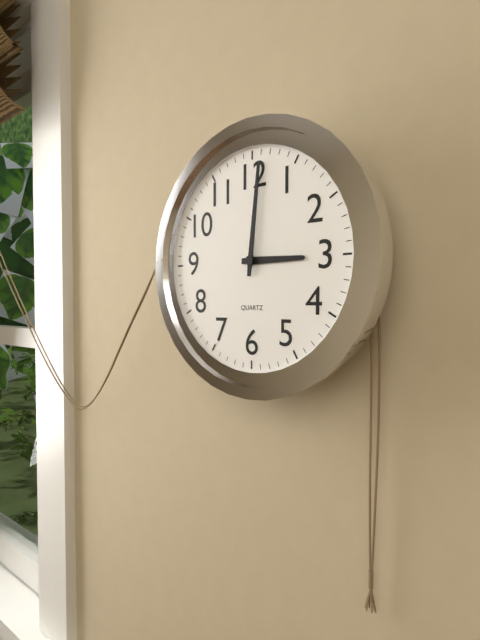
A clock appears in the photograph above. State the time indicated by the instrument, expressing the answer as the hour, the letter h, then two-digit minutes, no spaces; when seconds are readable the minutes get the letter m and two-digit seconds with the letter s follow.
3h01
